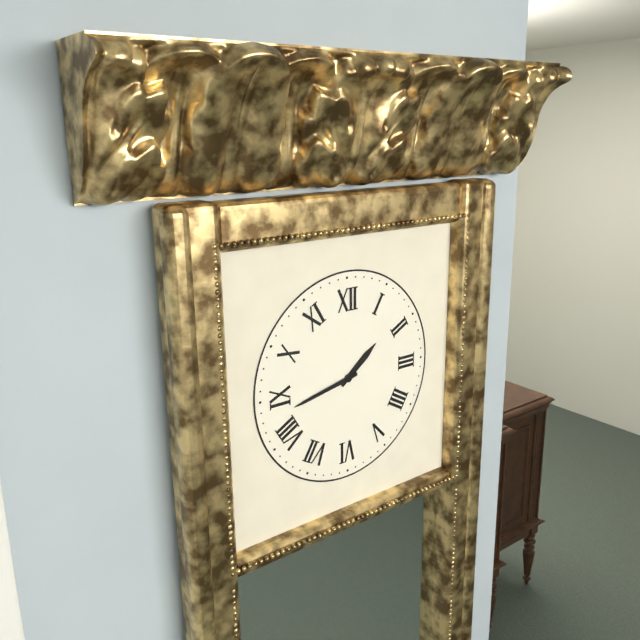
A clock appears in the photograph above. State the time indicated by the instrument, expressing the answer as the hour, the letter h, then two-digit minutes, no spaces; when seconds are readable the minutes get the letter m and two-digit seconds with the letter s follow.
1h43
